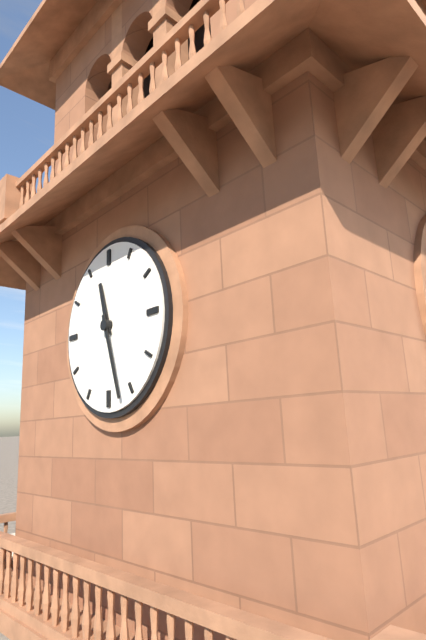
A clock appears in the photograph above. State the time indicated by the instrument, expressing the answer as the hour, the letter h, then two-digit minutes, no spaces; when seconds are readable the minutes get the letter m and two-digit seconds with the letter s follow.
11h27
